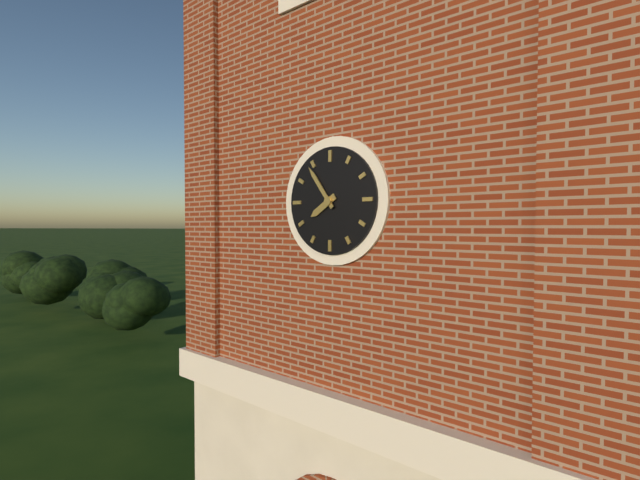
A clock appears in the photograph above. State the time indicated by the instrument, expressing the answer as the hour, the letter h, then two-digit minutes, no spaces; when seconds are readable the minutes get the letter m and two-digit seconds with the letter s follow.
7h54
